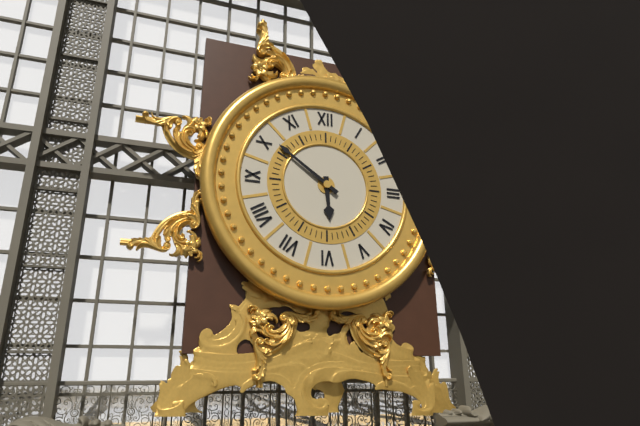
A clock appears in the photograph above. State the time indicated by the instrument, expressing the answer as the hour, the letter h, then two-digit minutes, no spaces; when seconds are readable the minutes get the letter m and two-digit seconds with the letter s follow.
5h51
